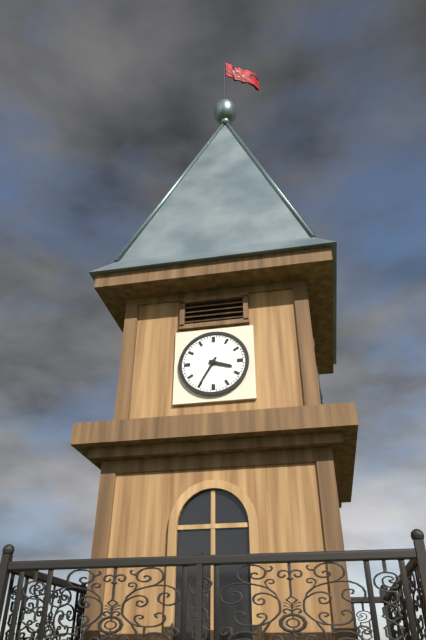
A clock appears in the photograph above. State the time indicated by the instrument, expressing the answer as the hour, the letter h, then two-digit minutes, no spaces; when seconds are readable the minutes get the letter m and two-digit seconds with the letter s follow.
3h35
